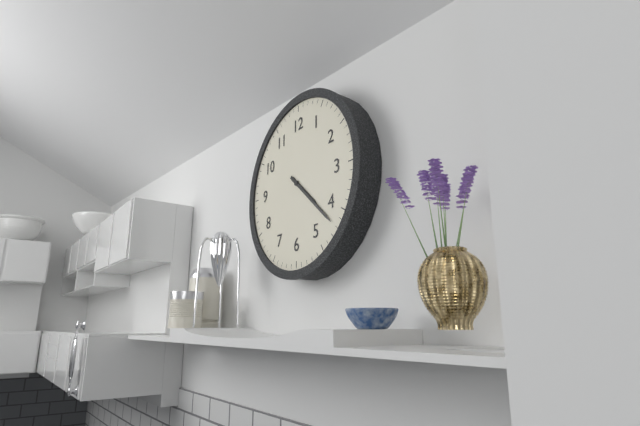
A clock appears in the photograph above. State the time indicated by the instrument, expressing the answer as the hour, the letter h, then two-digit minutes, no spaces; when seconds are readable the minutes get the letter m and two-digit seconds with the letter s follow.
4h22
